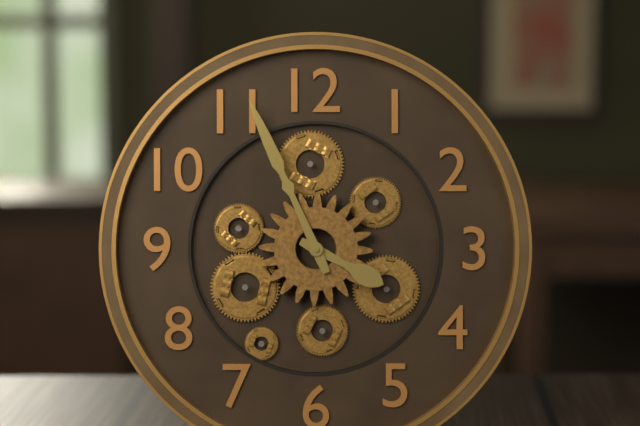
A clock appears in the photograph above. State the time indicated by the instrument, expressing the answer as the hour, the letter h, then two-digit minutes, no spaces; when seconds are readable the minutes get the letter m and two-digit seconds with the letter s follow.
3h56
